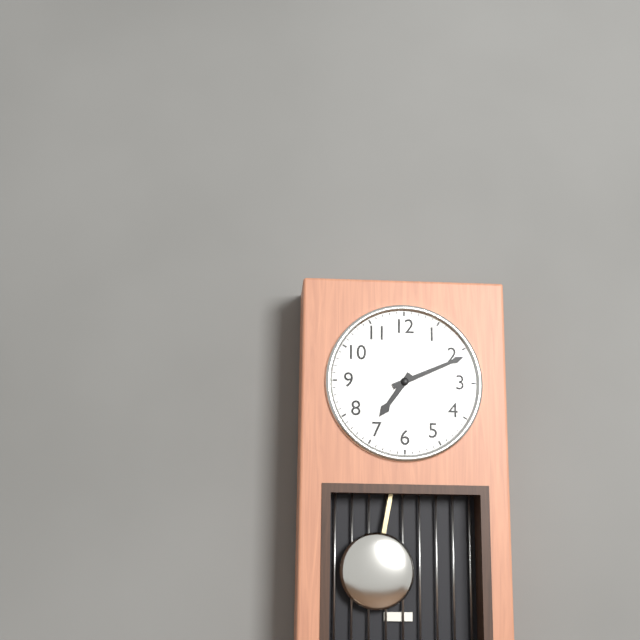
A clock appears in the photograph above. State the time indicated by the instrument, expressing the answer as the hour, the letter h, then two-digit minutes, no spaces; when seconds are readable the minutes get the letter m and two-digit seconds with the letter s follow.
7h11
